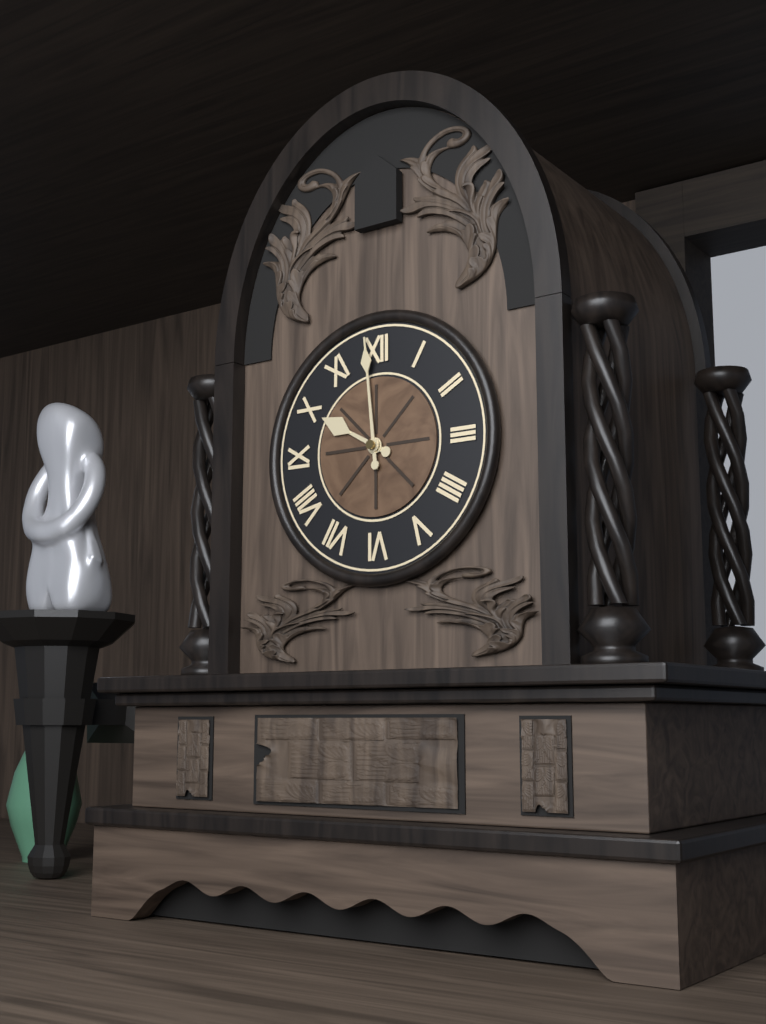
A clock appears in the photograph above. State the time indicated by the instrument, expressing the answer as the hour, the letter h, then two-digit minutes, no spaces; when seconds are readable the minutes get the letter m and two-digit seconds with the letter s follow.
9h59
